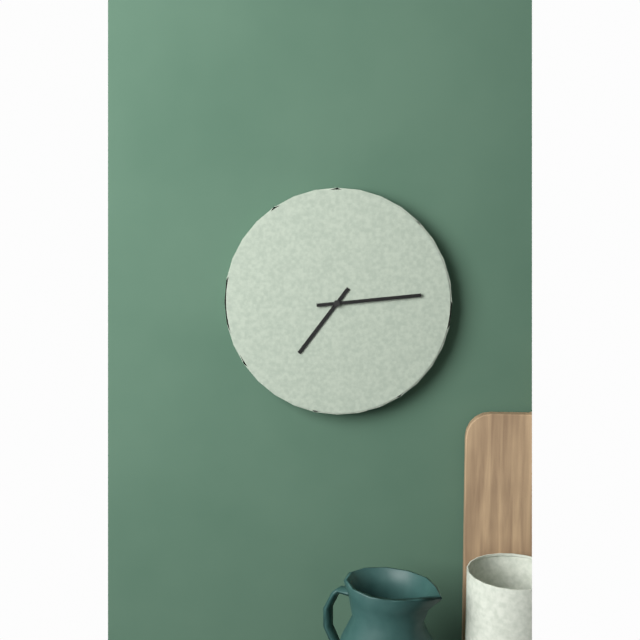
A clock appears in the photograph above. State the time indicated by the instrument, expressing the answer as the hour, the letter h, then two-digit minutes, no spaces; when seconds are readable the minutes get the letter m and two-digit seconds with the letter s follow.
7h14
